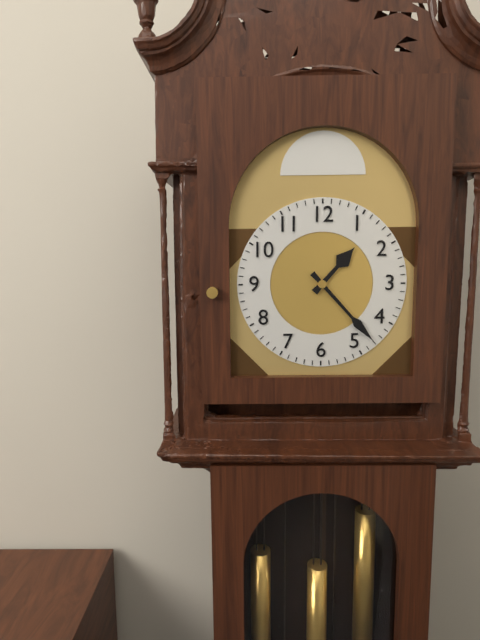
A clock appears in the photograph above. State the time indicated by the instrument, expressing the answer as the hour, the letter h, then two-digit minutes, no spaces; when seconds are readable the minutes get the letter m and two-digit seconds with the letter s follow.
1h23
